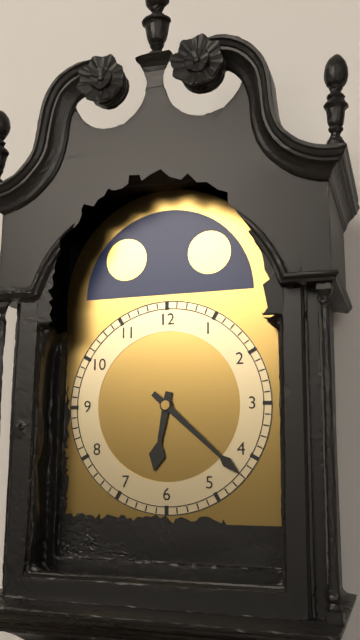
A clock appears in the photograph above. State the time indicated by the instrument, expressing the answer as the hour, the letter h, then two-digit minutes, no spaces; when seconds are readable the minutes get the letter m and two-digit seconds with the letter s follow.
6h22
